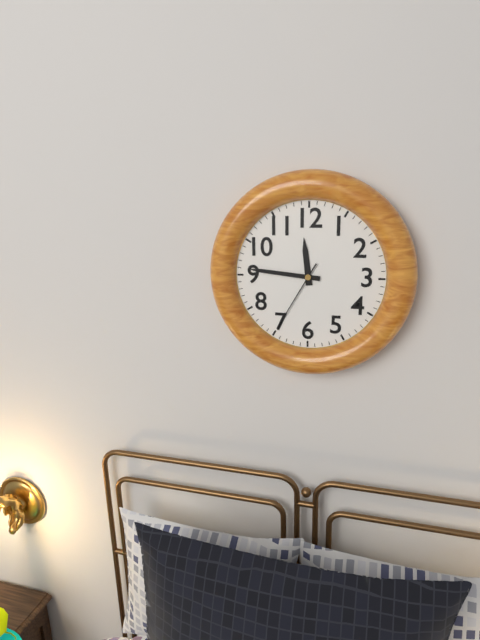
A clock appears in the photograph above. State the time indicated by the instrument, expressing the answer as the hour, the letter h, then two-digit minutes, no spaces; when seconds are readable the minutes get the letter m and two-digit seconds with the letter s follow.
11h46m35s
